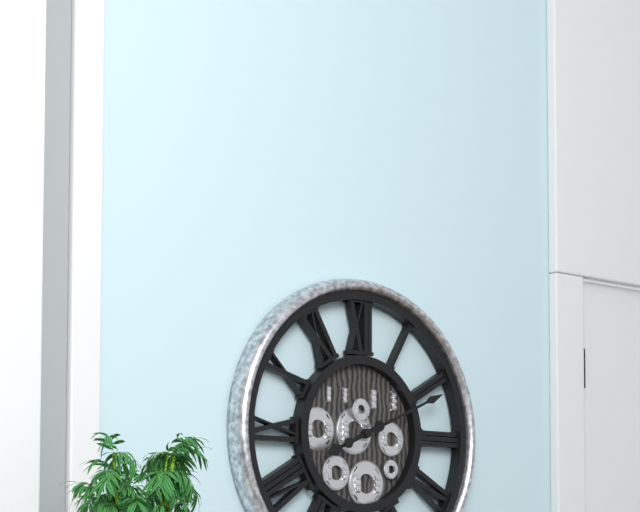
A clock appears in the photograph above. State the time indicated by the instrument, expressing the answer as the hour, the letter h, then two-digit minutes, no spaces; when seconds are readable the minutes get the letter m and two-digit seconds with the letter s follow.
8h11
